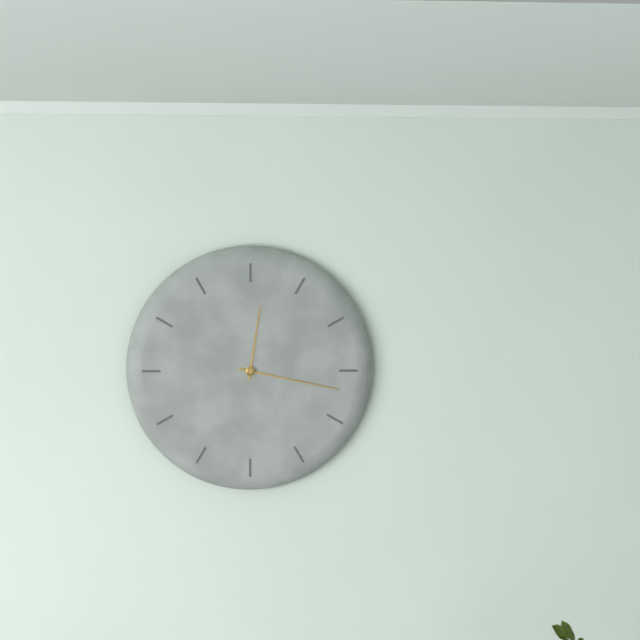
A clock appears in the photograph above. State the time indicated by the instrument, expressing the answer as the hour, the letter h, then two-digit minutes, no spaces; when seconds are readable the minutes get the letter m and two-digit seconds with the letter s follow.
12h17
